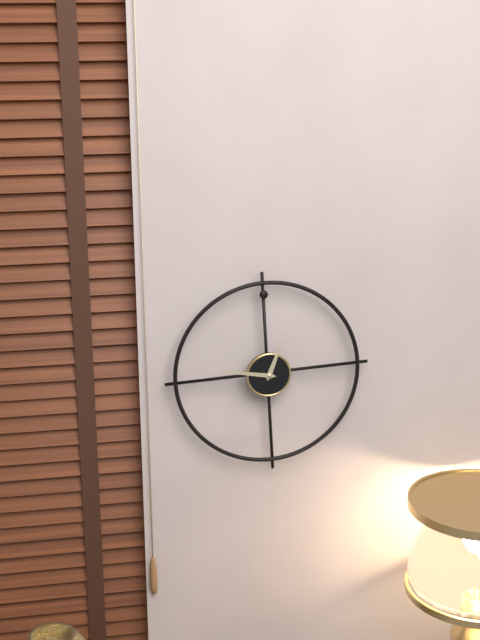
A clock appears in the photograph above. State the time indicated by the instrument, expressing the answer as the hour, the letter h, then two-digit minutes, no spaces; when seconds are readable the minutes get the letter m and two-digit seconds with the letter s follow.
12h47
